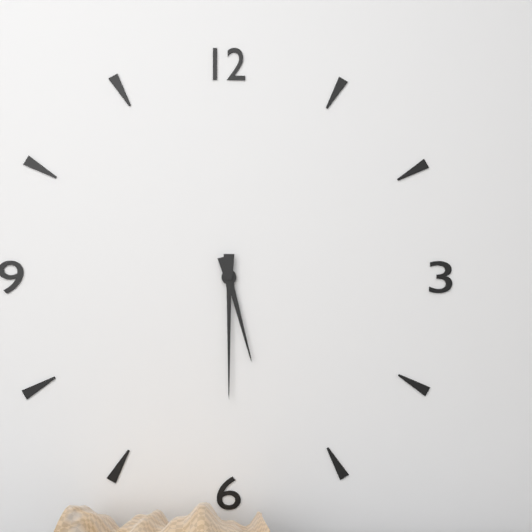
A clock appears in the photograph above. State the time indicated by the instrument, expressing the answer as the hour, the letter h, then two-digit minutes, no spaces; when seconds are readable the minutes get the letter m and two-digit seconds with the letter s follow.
5h30
